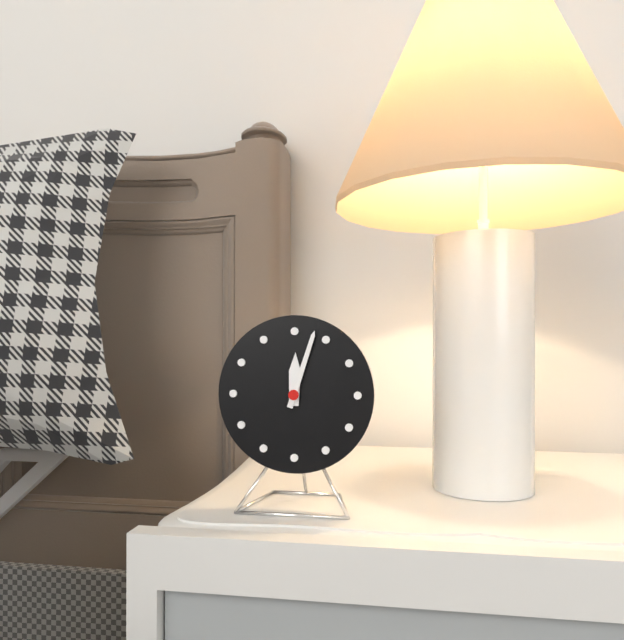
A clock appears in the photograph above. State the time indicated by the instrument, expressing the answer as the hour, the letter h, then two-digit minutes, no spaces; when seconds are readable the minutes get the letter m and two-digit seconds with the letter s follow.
12h03
